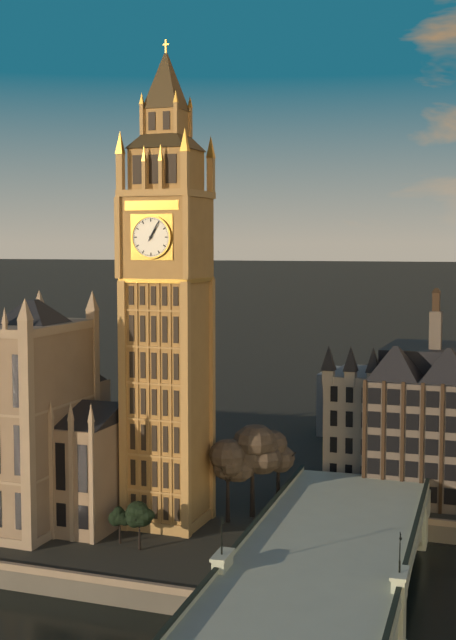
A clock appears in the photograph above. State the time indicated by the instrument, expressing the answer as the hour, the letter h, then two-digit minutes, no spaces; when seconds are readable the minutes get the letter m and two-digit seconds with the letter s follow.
1h05
